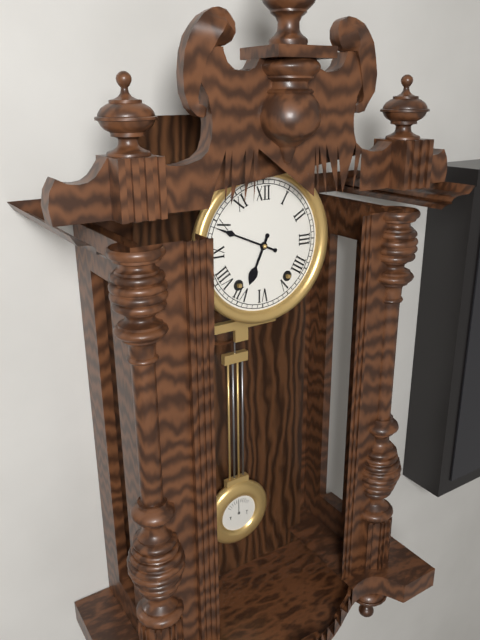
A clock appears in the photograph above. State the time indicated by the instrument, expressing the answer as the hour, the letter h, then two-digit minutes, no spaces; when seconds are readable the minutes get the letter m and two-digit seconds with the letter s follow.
6h49
